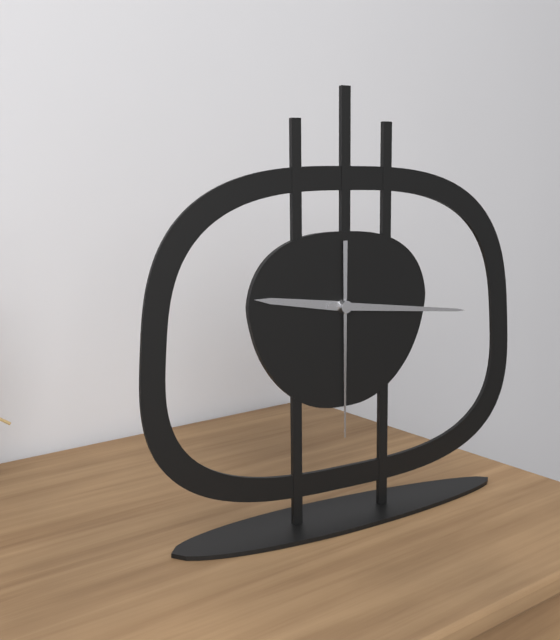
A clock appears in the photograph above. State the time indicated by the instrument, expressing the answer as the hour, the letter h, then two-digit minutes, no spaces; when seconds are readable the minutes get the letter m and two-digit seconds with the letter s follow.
9h16m30s
